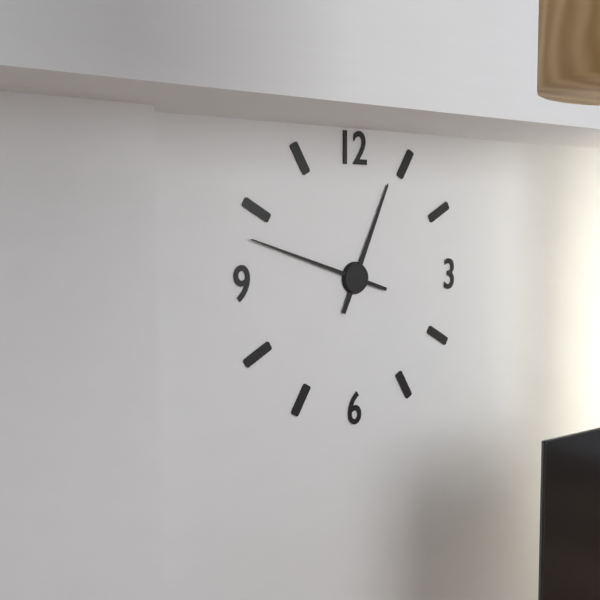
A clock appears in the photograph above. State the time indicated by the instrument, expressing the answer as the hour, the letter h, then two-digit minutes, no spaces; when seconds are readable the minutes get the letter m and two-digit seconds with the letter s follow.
12h48
